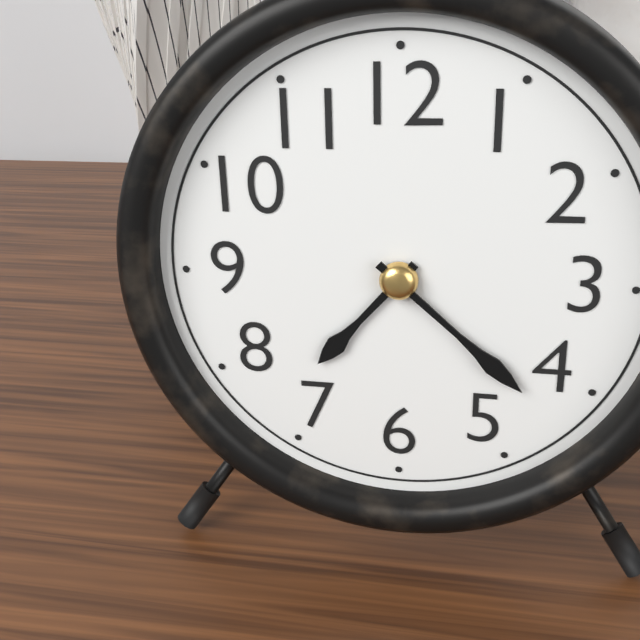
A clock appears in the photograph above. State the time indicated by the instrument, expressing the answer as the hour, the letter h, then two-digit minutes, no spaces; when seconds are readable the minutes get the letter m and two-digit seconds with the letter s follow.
7h22
